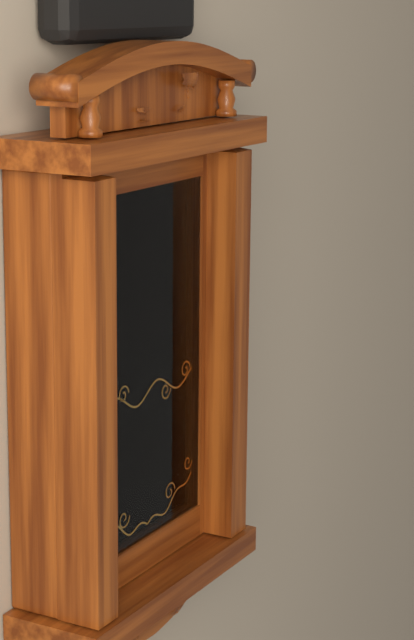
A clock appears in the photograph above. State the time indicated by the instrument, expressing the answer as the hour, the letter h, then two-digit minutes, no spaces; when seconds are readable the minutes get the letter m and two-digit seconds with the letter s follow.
3h09
